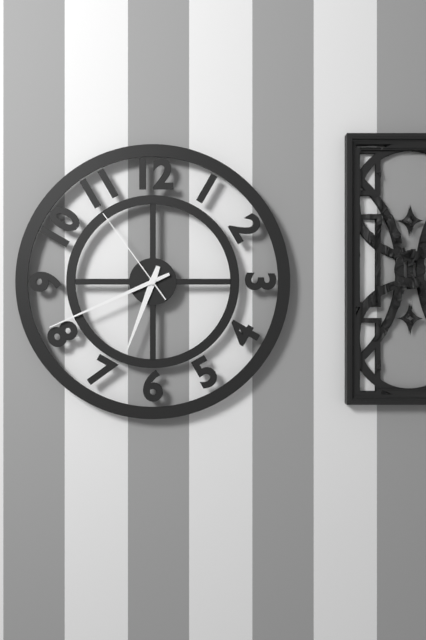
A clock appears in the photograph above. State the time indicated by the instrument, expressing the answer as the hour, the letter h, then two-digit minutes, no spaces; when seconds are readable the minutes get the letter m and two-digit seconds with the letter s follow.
6h41m54s
